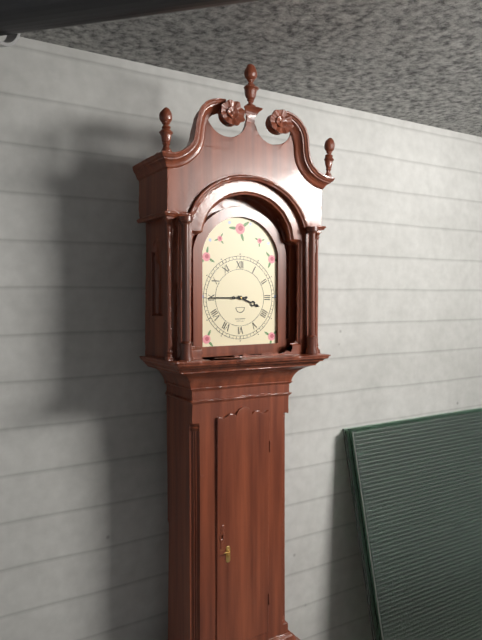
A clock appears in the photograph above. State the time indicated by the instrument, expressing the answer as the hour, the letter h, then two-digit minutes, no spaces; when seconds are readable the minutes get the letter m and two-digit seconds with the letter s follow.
3h45
